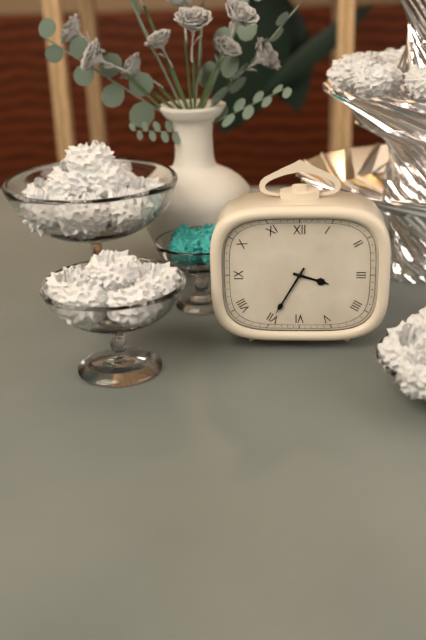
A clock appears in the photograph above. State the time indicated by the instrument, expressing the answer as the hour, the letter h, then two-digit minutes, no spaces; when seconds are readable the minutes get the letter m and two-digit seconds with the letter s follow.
3h35
